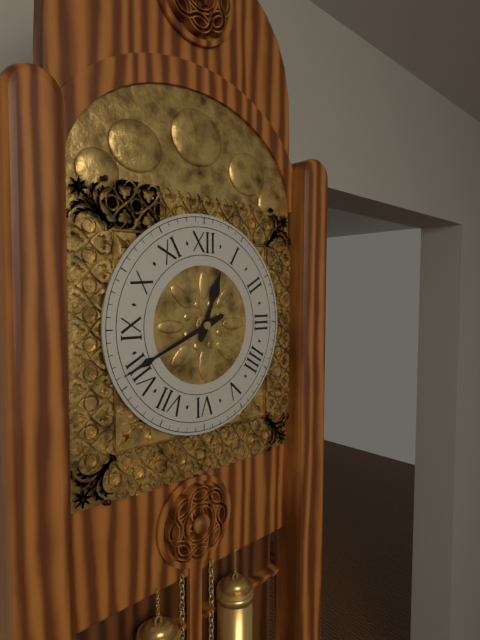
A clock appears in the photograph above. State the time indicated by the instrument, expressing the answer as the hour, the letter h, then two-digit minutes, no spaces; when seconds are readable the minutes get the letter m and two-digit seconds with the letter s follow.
12h41
